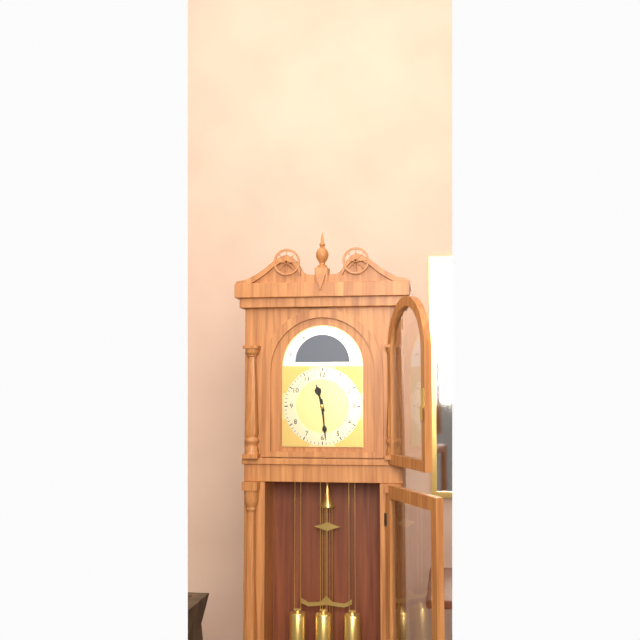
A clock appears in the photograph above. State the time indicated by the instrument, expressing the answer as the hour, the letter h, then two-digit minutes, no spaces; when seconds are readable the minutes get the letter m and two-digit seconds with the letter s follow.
11h29
